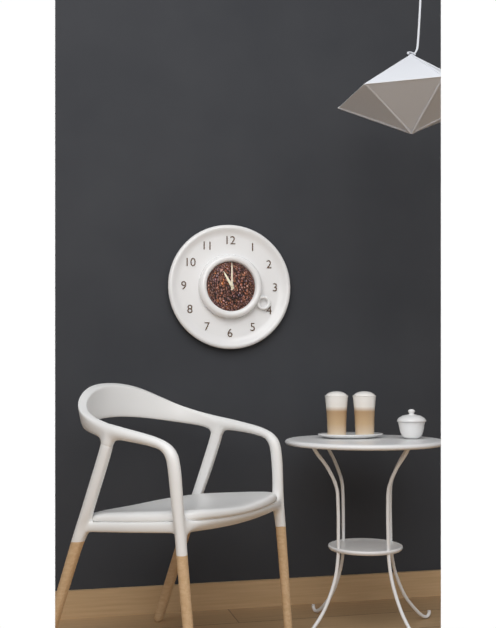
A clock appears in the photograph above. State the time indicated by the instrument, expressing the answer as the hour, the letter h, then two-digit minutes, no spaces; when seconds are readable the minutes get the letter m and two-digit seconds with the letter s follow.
11h00
